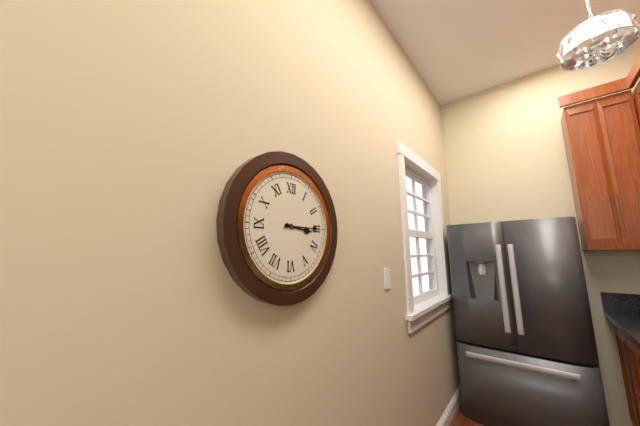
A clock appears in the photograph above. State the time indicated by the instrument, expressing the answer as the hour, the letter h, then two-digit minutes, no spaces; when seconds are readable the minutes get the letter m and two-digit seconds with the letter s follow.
3h15
